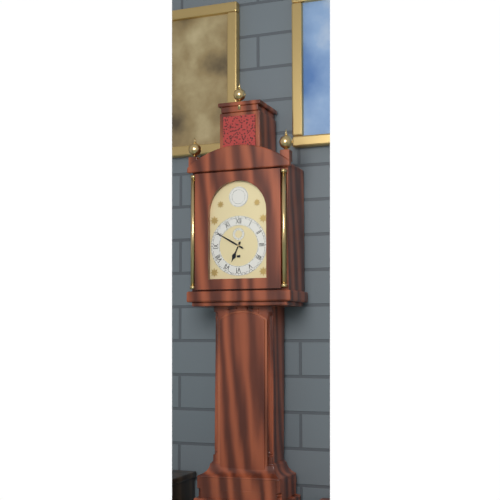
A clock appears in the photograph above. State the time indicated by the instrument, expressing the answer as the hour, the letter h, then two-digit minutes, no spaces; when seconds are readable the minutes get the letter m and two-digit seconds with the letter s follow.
6h50
